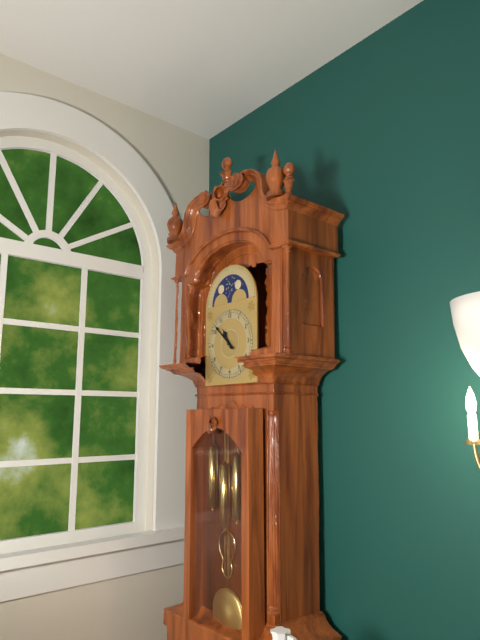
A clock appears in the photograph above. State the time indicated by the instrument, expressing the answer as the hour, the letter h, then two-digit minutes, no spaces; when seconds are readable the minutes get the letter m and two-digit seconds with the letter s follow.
10h52
